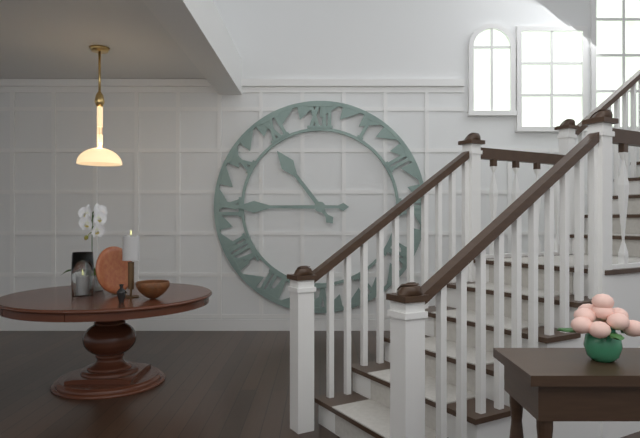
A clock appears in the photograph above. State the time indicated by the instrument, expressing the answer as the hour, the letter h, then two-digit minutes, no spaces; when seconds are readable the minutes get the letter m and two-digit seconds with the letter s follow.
10h45
